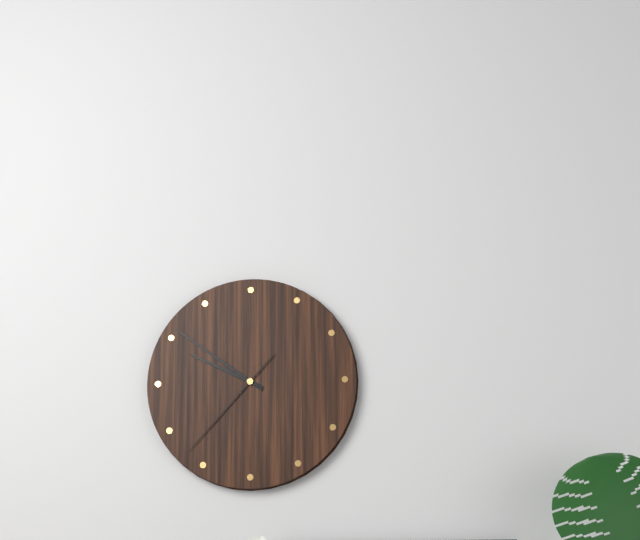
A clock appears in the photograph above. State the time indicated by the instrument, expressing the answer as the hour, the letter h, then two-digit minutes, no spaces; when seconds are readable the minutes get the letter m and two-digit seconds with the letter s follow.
9h51m37s
